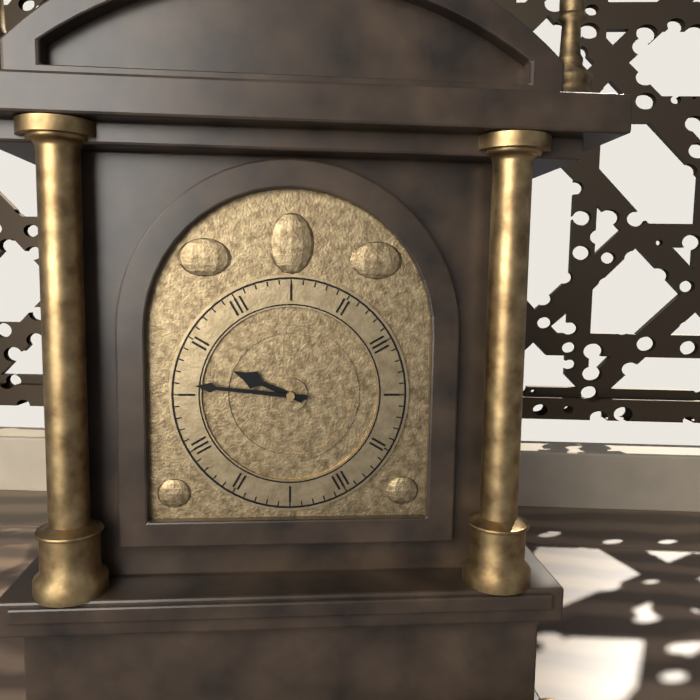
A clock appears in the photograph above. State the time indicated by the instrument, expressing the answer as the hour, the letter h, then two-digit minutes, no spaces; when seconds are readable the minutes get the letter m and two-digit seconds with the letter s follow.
9h46
